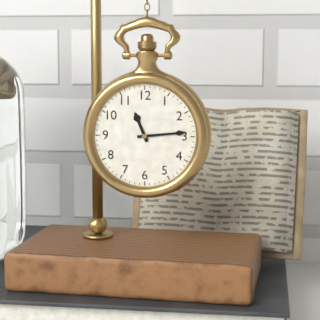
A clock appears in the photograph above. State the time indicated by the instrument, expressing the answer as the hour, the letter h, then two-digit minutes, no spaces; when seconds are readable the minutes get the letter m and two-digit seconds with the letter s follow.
11h14
